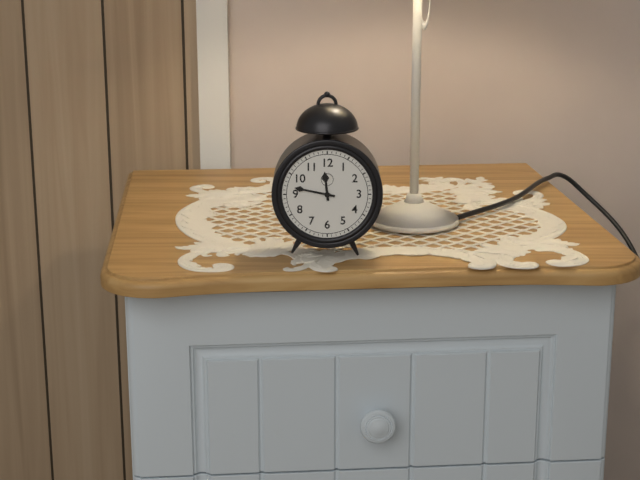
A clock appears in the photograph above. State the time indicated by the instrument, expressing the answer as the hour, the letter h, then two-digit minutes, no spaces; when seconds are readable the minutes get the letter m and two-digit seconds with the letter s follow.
11h47
